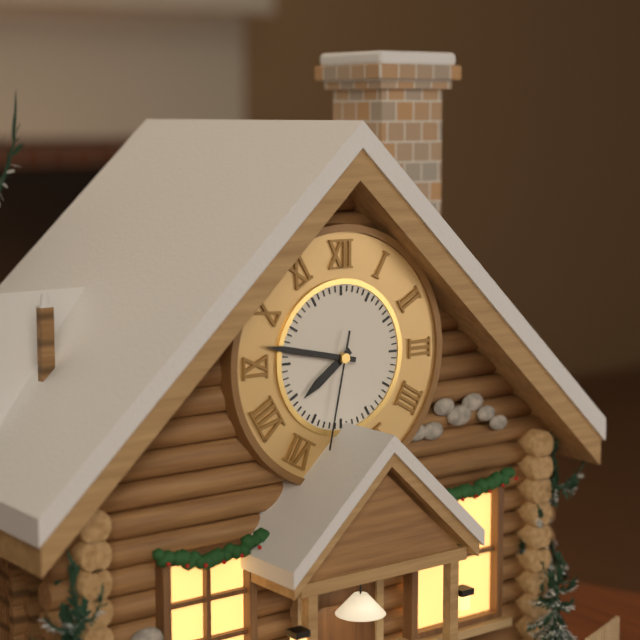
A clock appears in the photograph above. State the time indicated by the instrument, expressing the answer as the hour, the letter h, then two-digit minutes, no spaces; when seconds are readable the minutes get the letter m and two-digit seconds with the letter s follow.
7h47m32s
